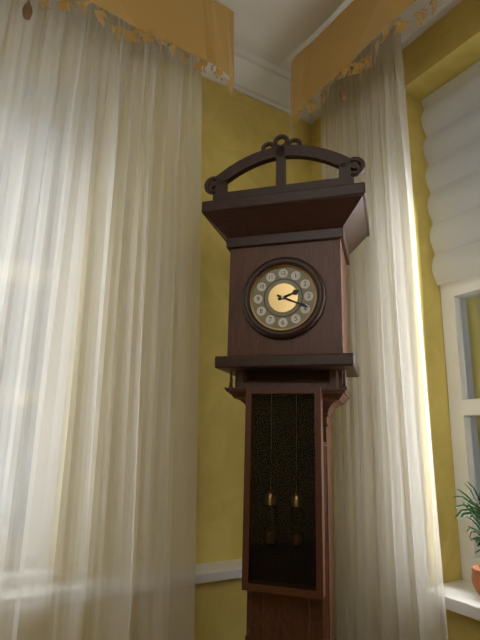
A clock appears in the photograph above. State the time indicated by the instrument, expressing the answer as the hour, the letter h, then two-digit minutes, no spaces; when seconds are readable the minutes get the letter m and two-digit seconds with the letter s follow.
2h19
